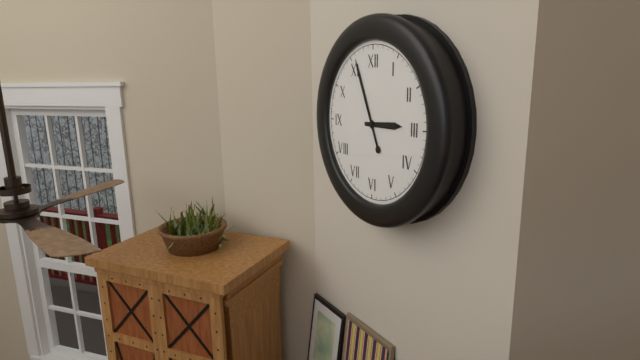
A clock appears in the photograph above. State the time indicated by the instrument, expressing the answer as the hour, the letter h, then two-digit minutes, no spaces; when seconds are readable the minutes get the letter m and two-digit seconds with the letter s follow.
2h56
